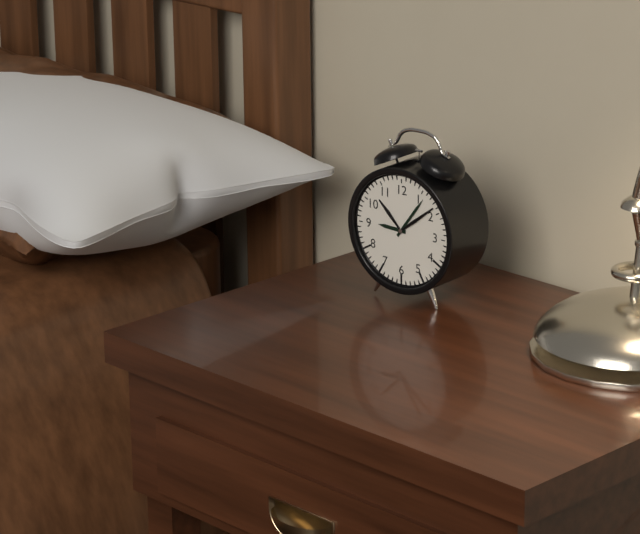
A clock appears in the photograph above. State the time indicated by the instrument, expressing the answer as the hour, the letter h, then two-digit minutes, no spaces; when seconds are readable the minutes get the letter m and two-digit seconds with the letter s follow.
9h06
